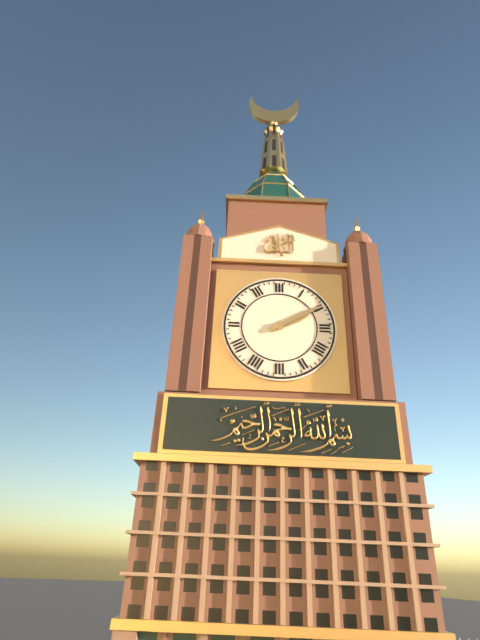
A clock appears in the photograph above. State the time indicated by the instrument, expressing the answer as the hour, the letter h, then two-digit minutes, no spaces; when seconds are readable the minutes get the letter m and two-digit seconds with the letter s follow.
2h10
